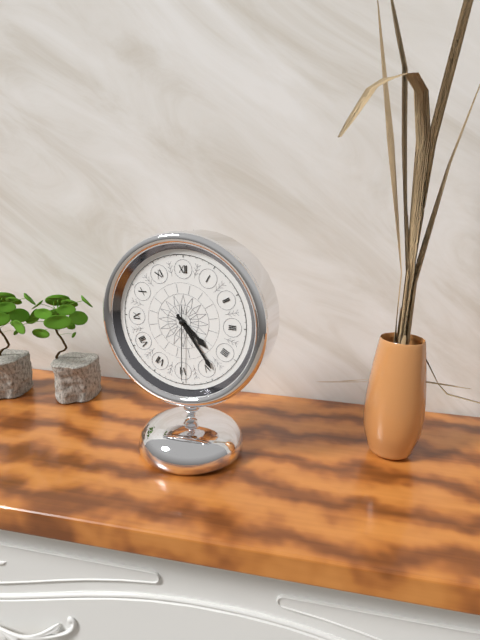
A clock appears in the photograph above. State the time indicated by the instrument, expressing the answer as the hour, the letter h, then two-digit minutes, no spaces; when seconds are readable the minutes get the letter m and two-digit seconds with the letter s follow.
4h24m30s
